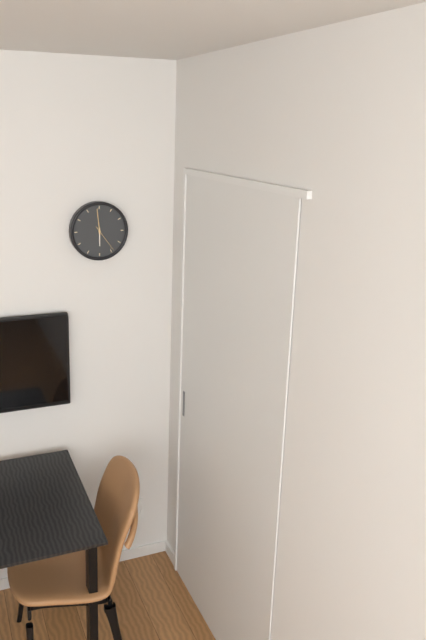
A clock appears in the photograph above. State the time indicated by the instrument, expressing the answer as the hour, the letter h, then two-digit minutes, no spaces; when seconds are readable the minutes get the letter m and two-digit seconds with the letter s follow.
5h59
